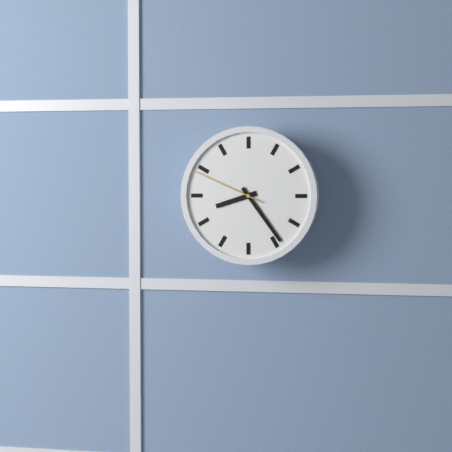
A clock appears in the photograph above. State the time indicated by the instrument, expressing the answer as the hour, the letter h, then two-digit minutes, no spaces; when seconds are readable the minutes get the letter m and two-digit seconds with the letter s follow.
8h24m49s
